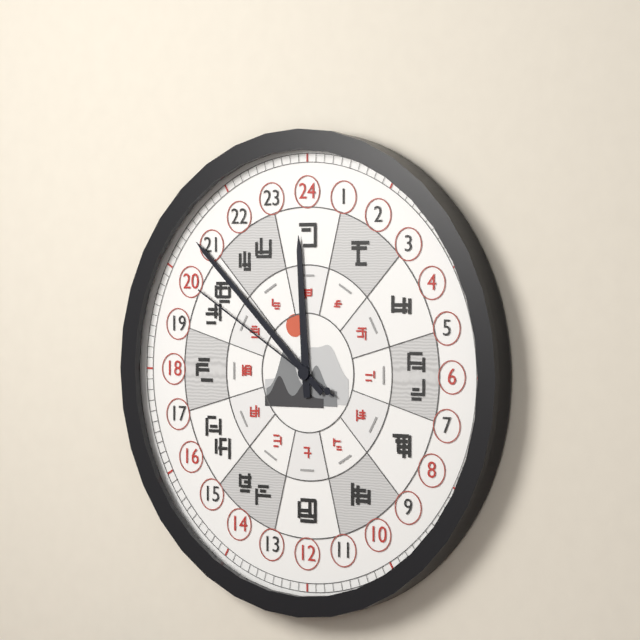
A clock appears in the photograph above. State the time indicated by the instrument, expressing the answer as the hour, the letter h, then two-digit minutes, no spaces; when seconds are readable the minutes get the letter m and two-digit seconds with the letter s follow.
11h52m50s
